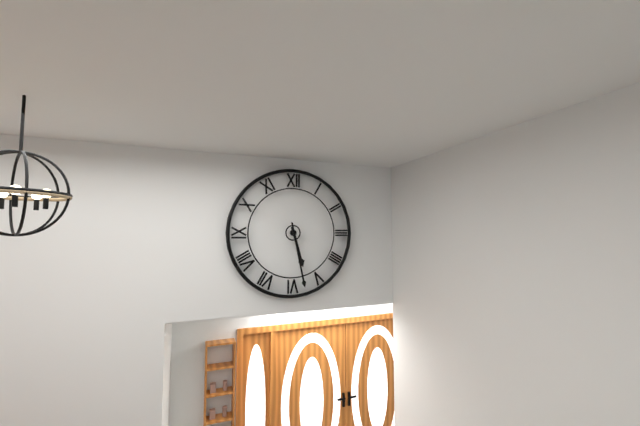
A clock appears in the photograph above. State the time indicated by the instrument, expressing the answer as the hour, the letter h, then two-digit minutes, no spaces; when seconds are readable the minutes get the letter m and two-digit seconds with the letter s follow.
5h28
